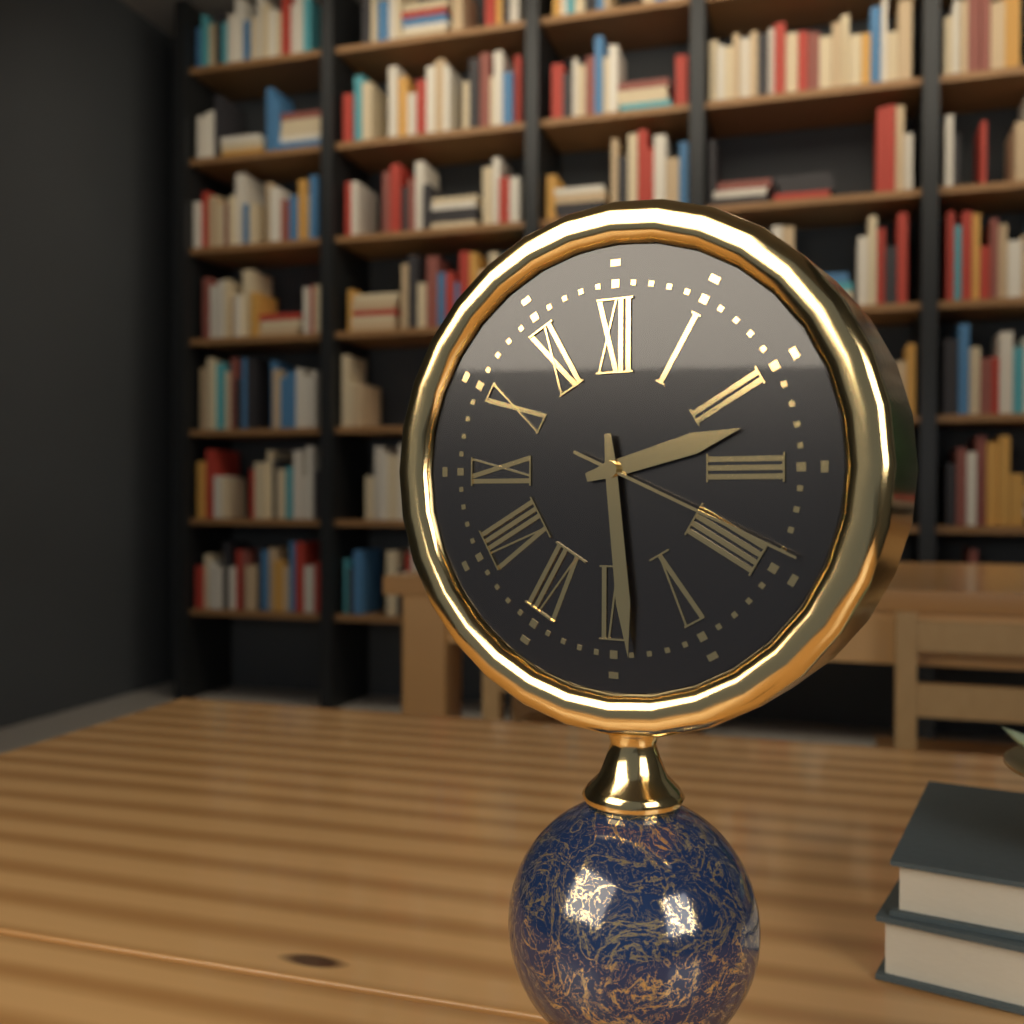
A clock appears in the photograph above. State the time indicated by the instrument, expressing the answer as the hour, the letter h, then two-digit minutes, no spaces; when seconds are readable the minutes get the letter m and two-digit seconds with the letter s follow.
2h29m19s
